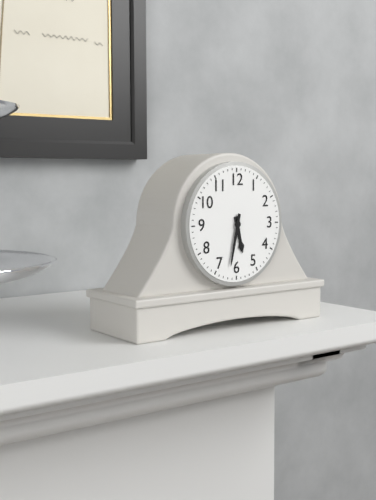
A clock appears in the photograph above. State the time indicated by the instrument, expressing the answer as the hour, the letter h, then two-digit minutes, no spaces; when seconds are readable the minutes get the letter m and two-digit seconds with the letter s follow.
5h32
